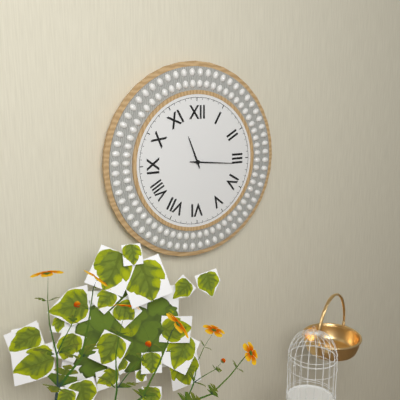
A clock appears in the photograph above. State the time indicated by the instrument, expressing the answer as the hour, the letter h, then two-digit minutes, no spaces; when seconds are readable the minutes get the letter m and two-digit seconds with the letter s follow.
11h16
